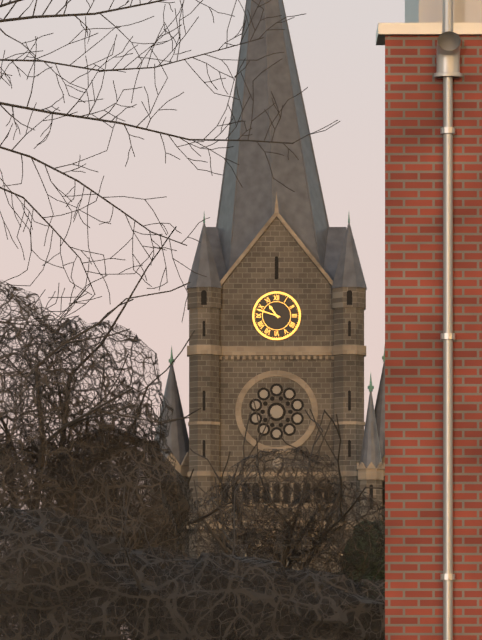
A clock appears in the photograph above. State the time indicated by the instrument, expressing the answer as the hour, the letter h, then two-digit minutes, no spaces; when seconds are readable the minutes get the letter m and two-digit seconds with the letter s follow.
10h48
